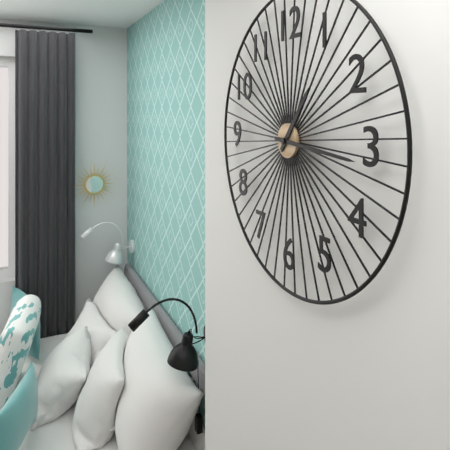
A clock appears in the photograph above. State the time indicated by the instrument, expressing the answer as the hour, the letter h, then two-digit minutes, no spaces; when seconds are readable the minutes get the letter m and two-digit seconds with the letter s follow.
1h16
